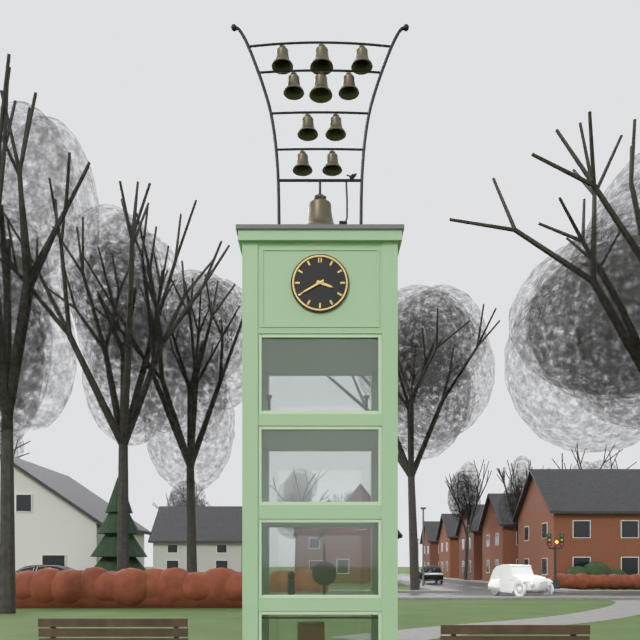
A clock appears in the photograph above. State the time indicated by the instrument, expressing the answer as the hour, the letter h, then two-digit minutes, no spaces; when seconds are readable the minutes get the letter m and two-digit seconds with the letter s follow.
3h40
